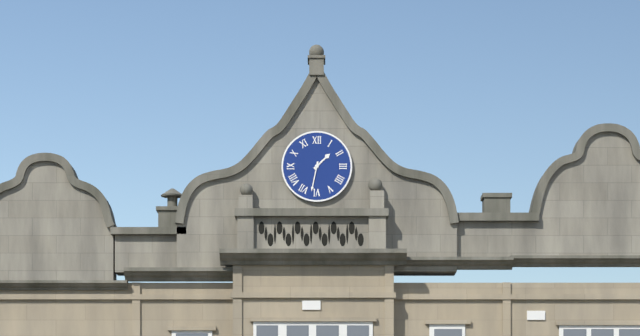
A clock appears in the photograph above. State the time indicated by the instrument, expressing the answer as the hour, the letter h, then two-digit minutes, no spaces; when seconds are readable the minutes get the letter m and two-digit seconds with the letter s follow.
1h32
